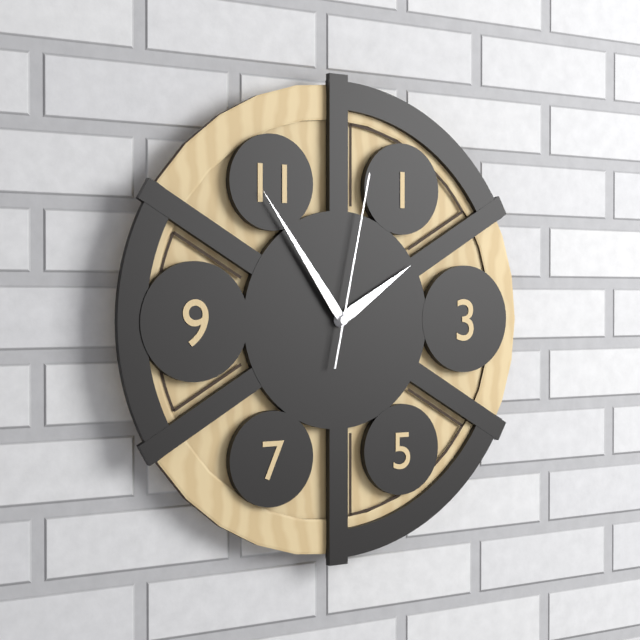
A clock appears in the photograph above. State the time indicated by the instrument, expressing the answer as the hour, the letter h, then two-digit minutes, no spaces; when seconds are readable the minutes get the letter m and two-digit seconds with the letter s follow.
1h54m02s
